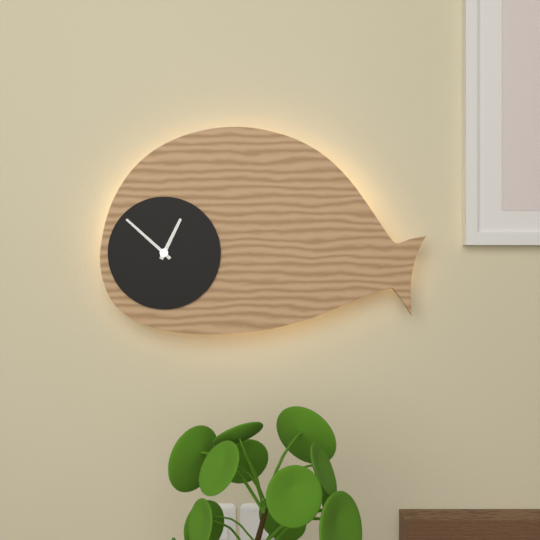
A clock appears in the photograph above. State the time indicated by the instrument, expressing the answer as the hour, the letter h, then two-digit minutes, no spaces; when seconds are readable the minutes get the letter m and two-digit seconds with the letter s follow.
12h52
